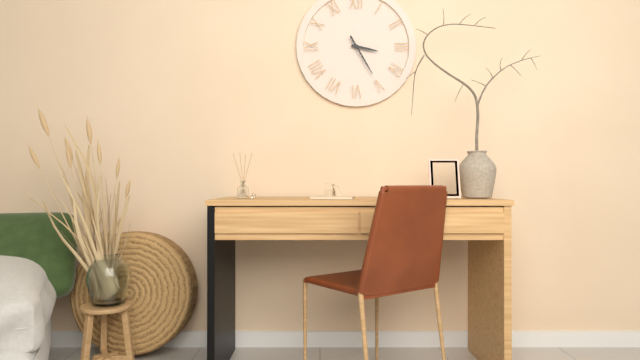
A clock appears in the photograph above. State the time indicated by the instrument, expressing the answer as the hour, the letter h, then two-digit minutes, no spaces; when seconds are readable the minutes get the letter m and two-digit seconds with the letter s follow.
3h25
